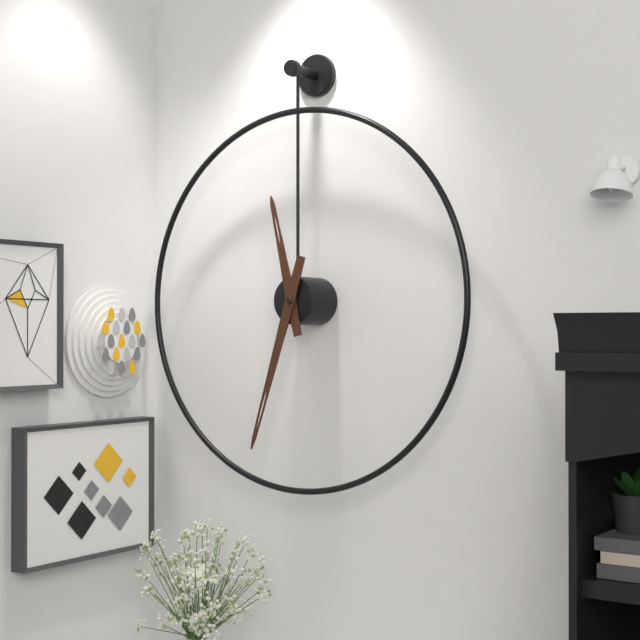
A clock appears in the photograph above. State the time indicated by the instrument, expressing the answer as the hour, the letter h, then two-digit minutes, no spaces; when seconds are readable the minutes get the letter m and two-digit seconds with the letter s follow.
11h33
